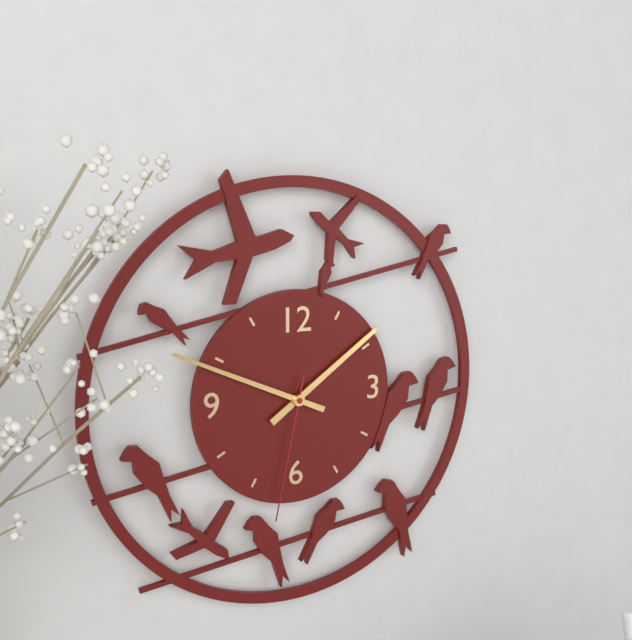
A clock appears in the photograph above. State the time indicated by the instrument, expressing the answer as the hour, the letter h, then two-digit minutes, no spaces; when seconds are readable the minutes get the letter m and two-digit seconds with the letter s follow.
1h49m32s
